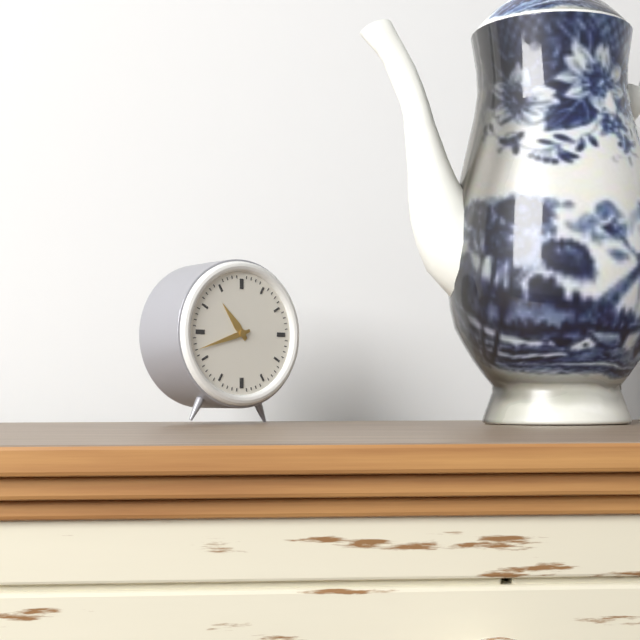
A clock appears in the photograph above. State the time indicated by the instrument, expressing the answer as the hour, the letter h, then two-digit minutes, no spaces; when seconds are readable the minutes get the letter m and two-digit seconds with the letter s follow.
10h42
